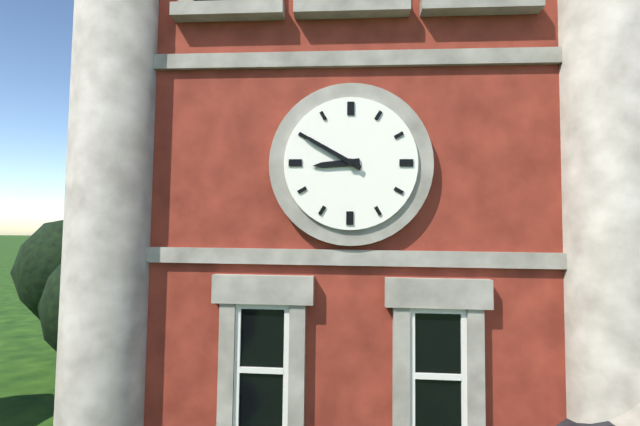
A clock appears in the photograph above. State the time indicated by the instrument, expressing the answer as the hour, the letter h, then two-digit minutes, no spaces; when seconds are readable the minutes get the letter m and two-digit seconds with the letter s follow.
8h50
